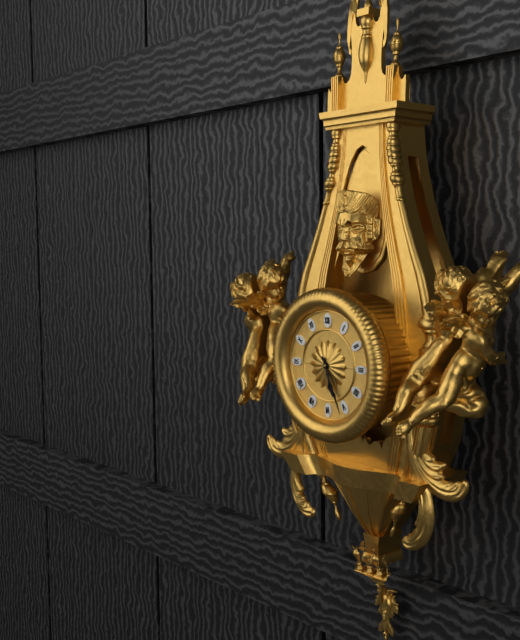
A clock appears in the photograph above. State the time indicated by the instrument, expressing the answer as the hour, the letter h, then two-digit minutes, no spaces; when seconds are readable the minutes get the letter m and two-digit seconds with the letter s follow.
5h26
